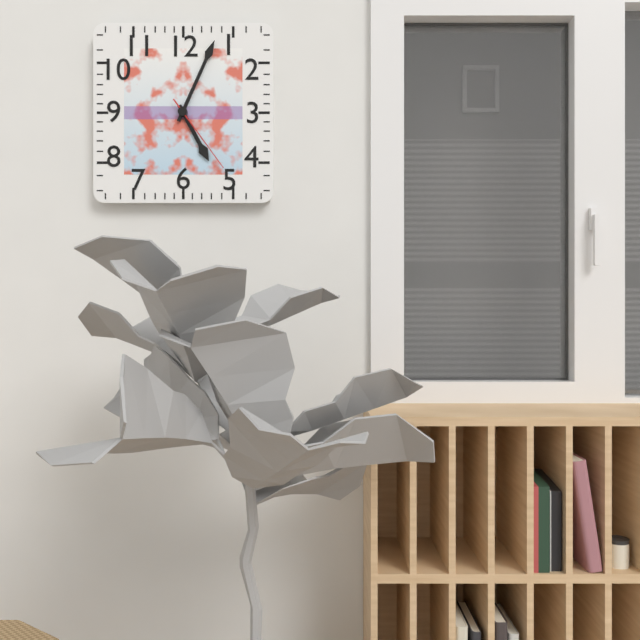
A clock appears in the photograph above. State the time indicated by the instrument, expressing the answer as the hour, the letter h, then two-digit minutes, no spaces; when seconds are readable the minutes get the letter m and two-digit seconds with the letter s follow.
5h04m24s
